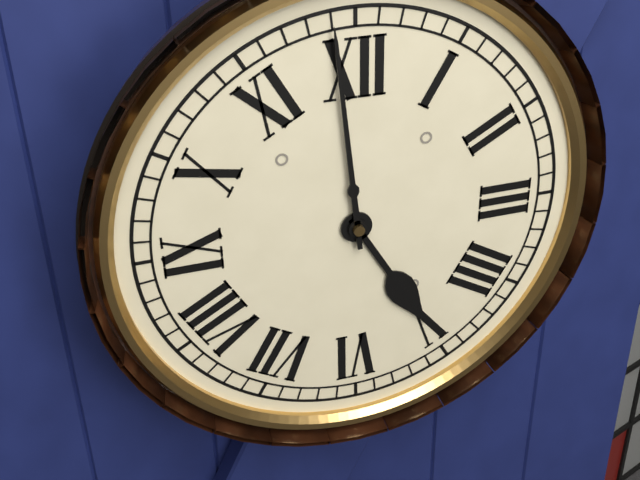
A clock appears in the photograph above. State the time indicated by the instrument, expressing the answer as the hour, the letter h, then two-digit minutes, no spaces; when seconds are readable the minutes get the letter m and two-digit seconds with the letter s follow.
4h59
